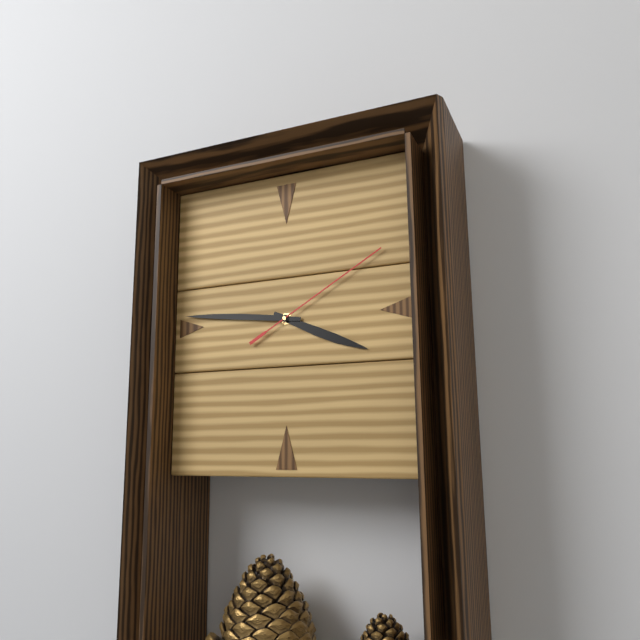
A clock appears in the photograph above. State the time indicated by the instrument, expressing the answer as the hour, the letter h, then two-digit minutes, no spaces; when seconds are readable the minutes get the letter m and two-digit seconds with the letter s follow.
3h46m10s
